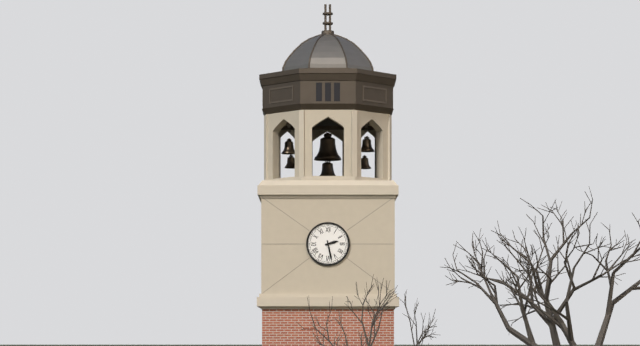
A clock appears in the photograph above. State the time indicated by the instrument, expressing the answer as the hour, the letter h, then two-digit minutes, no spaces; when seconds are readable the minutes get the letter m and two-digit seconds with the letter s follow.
2h28
